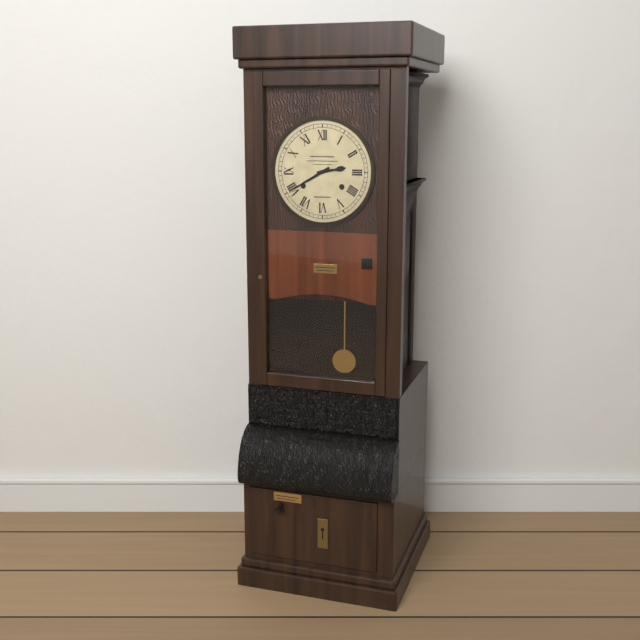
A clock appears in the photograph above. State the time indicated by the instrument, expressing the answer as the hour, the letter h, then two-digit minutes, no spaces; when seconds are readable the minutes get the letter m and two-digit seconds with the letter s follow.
2h40
